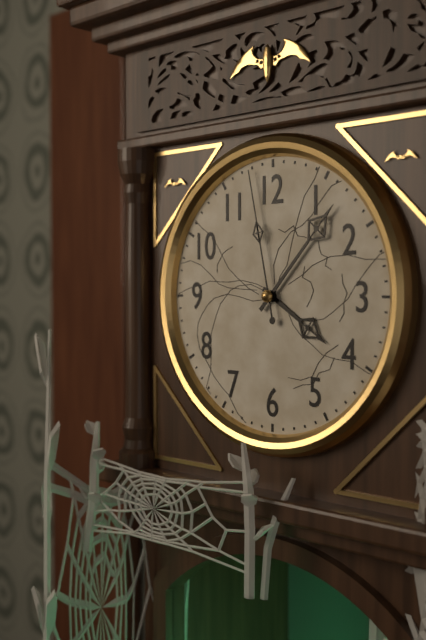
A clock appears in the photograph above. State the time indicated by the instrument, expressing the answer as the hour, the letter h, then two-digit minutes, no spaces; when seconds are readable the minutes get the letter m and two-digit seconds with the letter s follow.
4h07m58s
